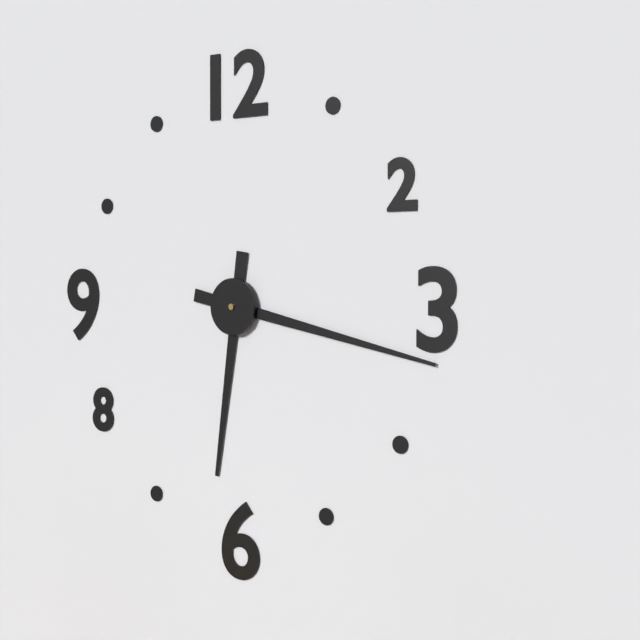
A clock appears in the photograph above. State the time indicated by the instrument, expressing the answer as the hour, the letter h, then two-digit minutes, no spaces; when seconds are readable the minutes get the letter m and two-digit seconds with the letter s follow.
6h17
